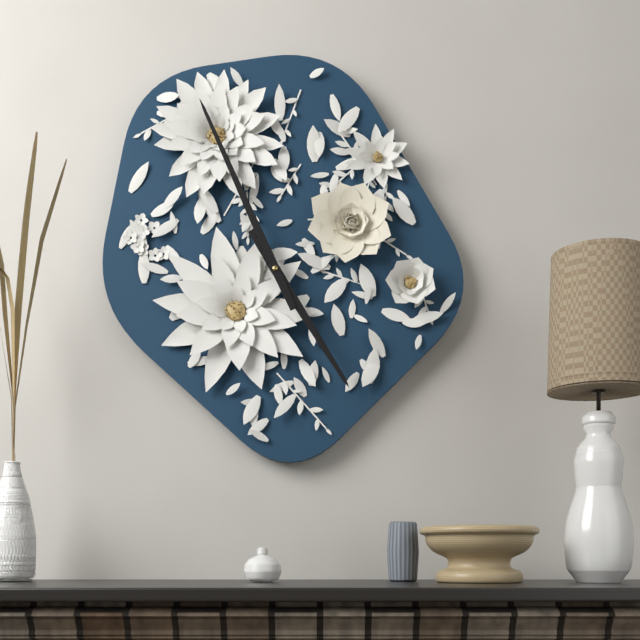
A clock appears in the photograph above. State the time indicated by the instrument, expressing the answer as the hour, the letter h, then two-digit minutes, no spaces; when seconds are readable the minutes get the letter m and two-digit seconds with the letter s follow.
4h56
